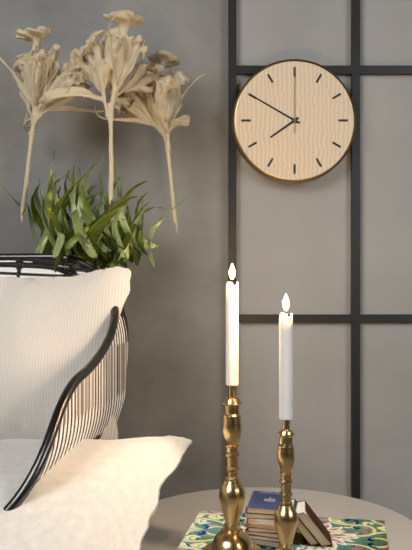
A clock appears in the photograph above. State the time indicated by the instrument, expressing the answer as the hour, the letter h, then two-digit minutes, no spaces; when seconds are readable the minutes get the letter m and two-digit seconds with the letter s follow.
7h50m00s
